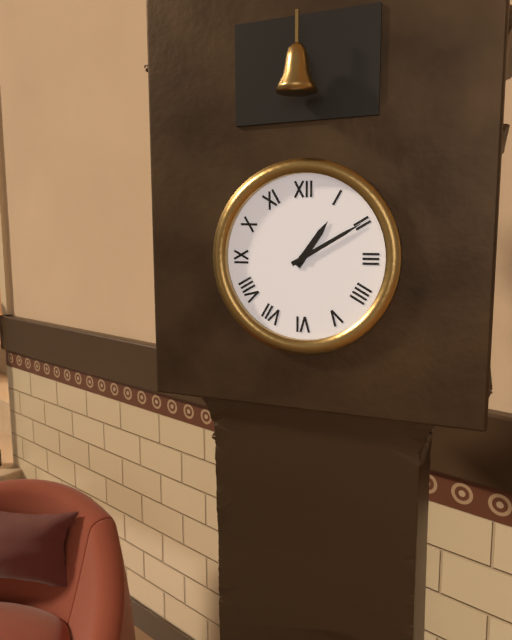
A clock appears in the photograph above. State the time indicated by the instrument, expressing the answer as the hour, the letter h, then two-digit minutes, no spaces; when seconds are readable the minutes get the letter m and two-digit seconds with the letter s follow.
1h10
